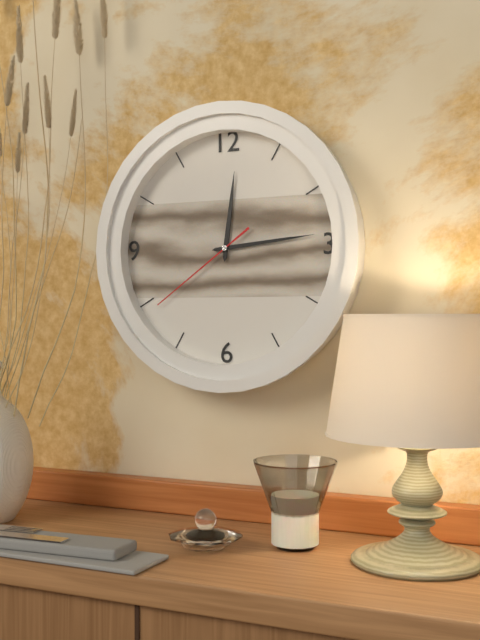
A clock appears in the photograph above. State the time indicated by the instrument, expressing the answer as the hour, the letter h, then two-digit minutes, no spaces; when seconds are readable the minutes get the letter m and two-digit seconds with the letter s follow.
12h14m39s
